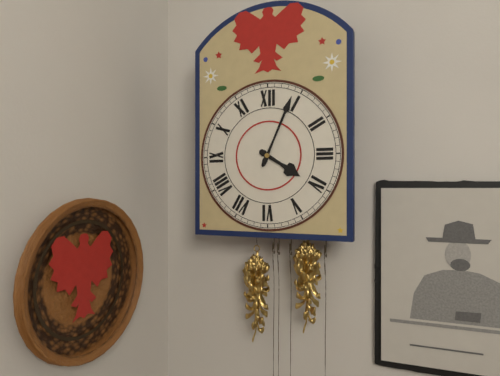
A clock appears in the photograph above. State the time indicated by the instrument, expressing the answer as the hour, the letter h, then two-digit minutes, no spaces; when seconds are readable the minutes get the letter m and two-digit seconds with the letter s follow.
4h04
